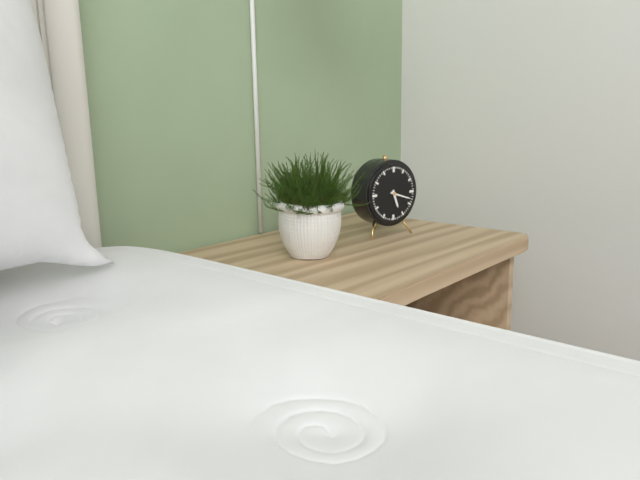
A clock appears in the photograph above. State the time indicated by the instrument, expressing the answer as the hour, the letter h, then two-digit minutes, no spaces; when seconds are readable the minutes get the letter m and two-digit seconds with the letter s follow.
5h18
